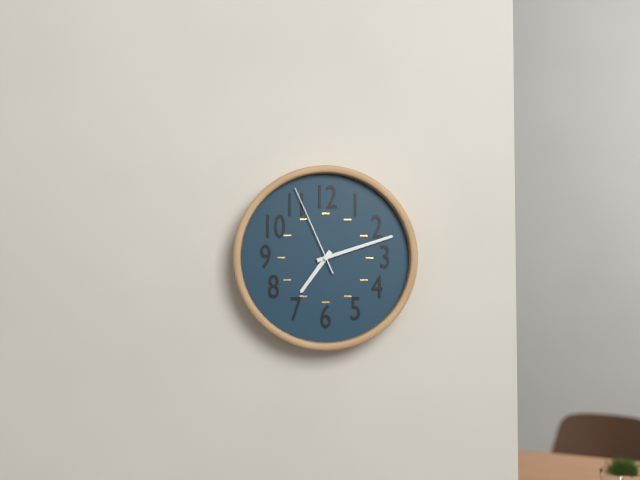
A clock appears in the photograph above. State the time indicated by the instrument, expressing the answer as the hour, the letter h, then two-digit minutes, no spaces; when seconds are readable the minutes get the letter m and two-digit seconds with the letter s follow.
7h12m56s
